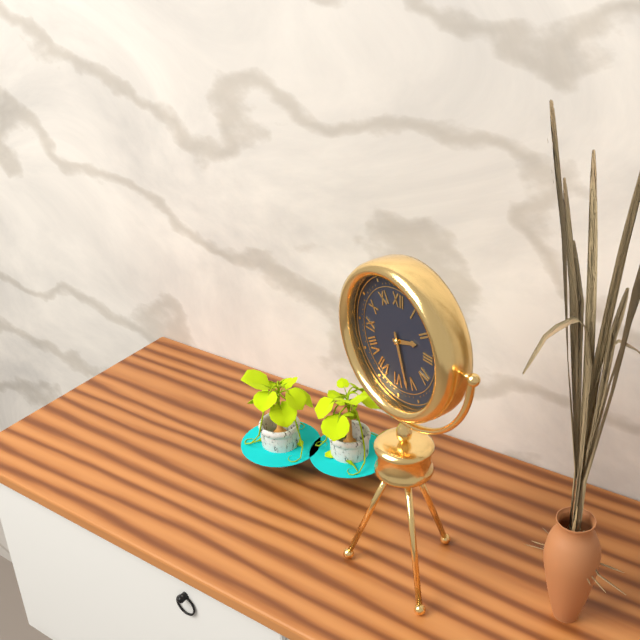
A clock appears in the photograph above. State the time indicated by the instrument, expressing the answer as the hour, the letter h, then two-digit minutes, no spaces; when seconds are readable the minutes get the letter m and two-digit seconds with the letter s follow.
2h27
